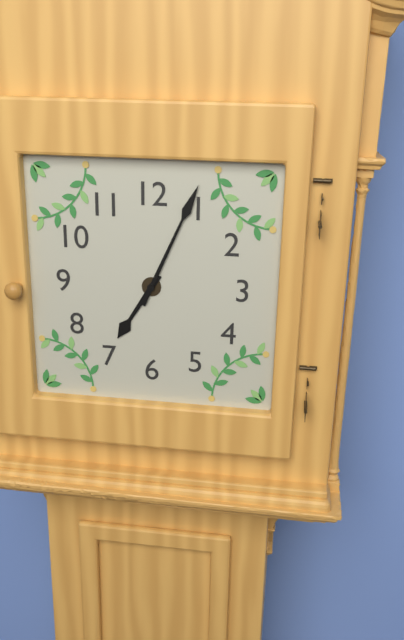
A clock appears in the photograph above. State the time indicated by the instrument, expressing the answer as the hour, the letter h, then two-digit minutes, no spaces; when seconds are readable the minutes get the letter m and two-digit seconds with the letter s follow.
7h04
